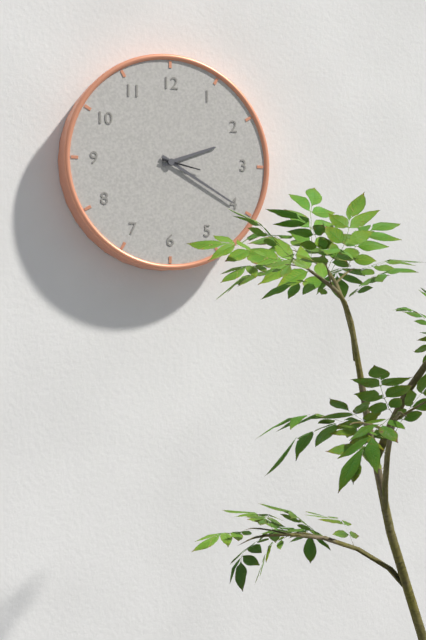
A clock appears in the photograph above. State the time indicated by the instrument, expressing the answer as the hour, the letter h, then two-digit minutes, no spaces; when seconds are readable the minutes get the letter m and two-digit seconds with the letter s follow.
2h20
